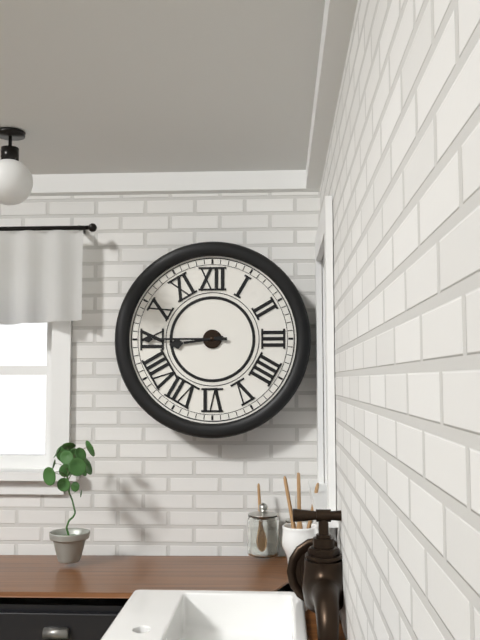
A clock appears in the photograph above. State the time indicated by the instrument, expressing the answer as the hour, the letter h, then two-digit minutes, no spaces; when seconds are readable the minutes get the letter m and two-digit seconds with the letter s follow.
8h45
